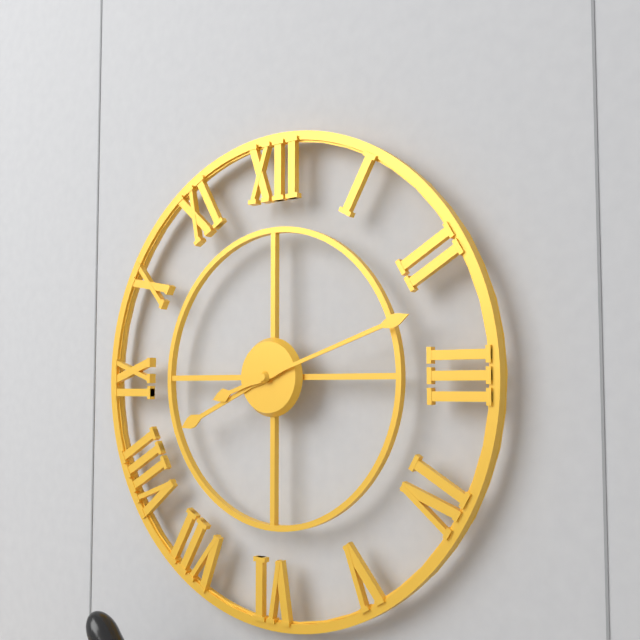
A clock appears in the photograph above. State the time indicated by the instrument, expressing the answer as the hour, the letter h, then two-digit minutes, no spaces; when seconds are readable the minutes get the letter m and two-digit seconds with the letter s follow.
8h12
